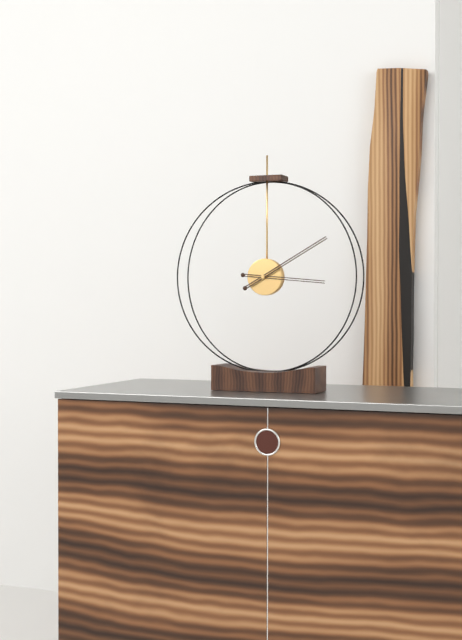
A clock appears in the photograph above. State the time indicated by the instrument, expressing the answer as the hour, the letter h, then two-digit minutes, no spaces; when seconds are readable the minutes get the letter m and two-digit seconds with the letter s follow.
3h10
